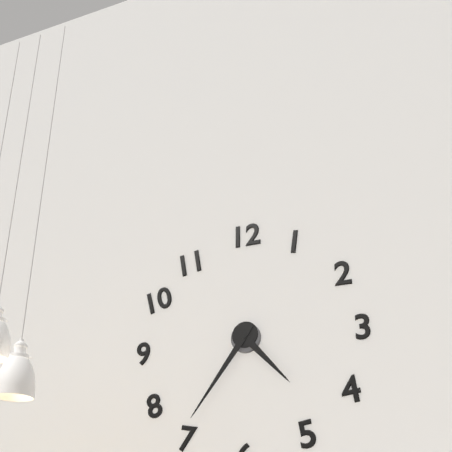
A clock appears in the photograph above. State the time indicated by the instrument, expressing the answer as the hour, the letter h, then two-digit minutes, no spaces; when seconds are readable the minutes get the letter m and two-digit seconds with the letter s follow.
4h36
